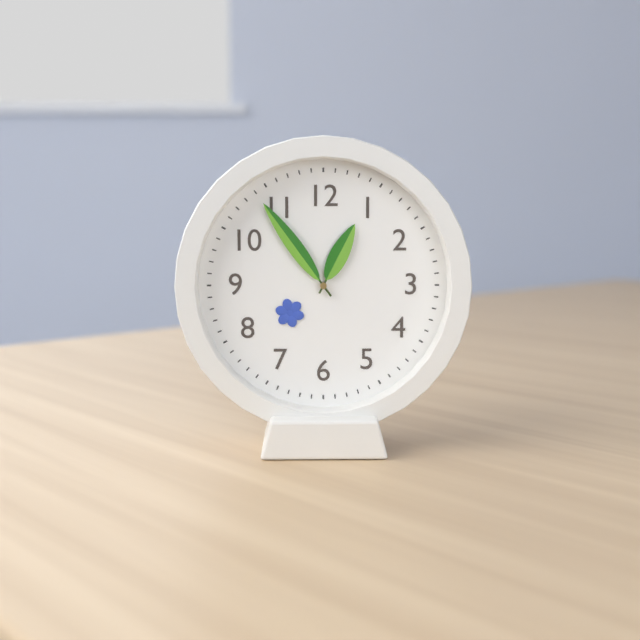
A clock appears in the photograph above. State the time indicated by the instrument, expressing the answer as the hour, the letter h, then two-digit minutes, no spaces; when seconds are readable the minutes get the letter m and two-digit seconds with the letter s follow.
12h54
